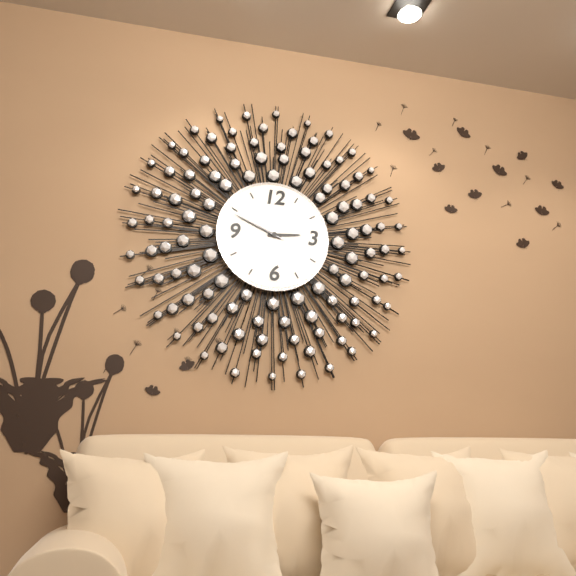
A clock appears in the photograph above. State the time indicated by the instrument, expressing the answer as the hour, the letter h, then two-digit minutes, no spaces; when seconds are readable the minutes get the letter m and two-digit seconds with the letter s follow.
2h49m49s
